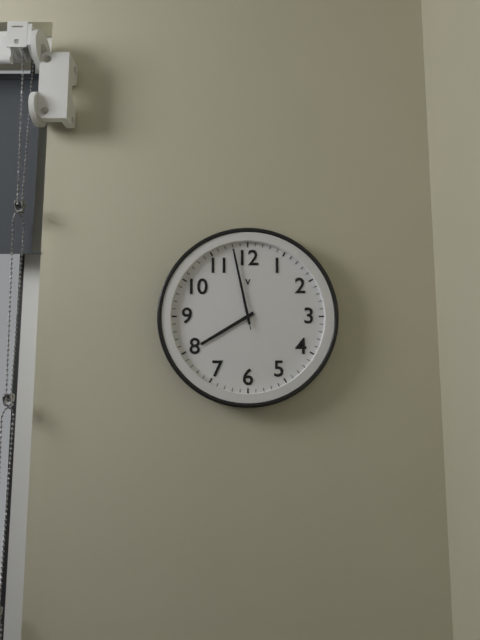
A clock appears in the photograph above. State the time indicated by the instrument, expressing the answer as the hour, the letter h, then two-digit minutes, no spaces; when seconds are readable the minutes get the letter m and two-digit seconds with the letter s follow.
7h58m58s
